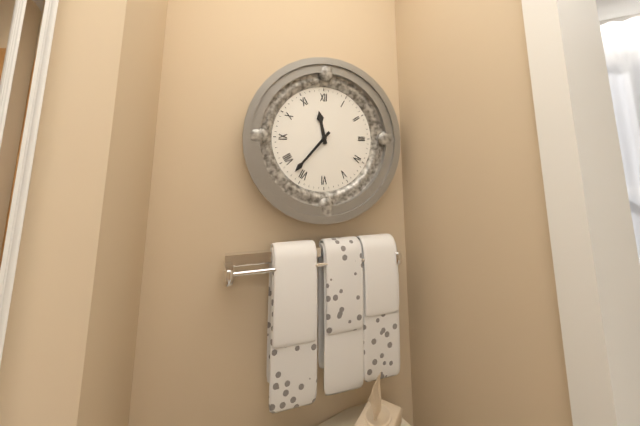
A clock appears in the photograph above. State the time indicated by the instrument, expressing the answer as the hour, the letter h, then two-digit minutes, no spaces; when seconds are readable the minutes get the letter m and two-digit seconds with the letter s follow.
11h37
